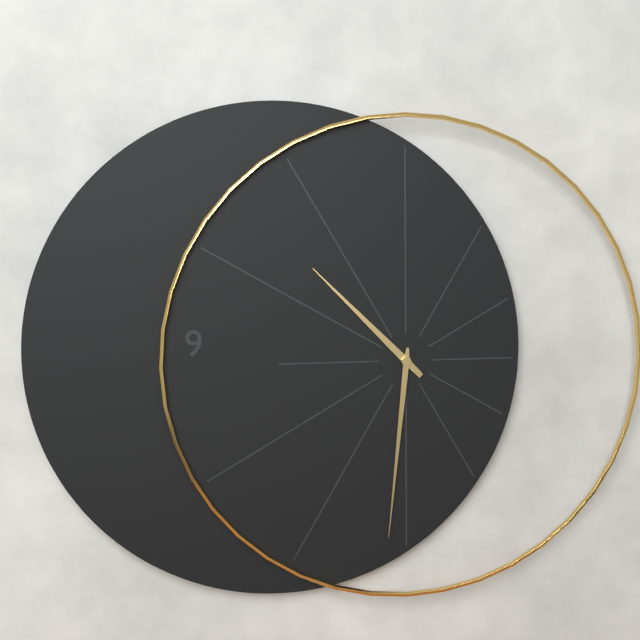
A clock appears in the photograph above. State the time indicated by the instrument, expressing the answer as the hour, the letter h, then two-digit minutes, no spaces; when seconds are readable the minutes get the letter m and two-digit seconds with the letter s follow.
10h31
